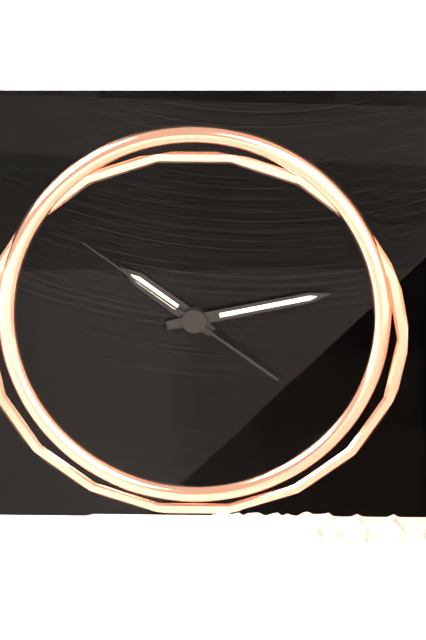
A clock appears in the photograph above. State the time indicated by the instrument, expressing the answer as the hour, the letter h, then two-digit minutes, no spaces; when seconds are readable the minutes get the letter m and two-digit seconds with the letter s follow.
10h13m51s
